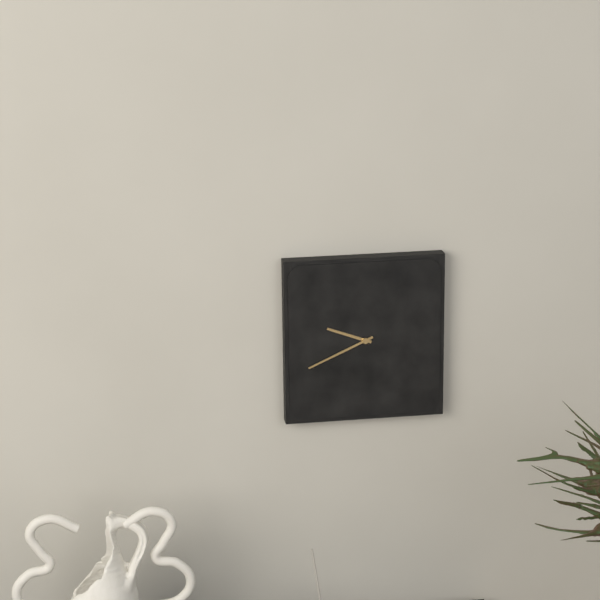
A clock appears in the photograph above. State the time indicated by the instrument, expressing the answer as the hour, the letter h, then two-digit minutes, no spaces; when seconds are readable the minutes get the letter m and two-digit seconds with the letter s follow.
9h41
